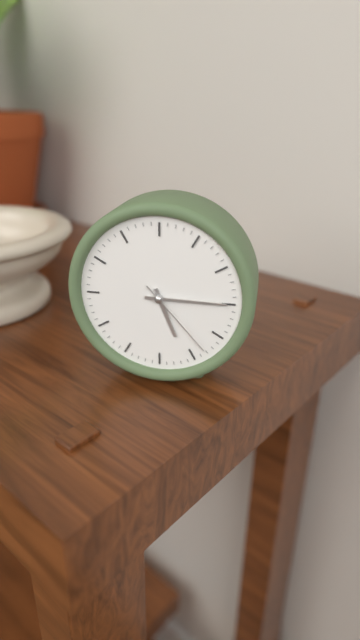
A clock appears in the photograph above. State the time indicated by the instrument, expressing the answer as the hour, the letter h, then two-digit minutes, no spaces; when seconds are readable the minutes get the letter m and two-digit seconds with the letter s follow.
5h15m23s
